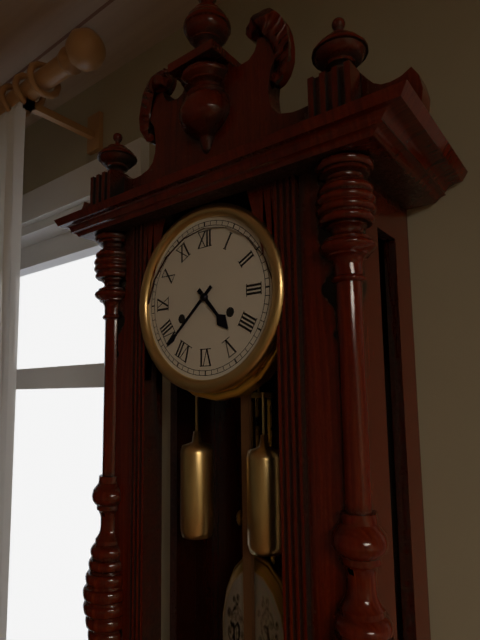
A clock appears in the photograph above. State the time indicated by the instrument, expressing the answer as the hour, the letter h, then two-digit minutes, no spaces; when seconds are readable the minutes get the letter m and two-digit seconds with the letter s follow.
4h38
